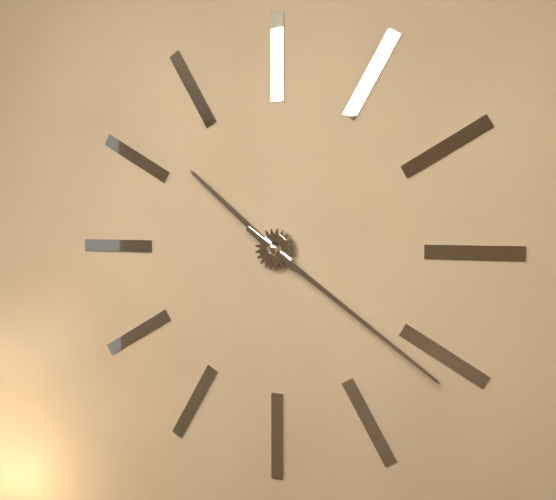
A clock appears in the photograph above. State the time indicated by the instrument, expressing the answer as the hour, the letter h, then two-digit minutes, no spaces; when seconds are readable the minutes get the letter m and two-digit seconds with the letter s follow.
10h21
